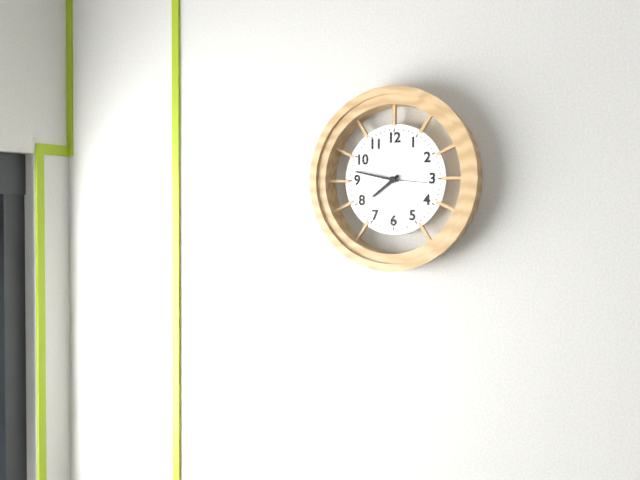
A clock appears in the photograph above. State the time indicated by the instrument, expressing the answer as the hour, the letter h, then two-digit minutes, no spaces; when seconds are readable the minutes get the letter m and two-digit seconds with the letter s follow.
7h47m16s
